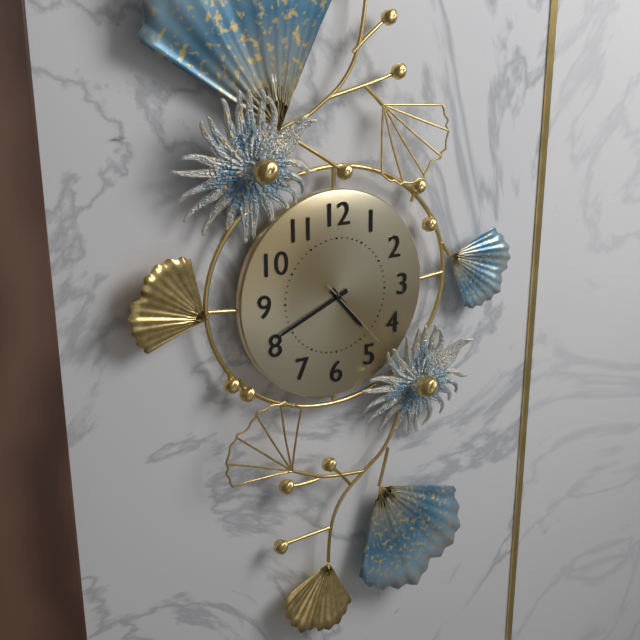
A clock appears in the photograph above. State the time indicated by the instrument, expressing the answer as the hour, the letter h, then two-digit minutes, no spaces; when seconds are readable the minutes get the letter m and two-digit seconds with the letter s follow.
4h41m23s
